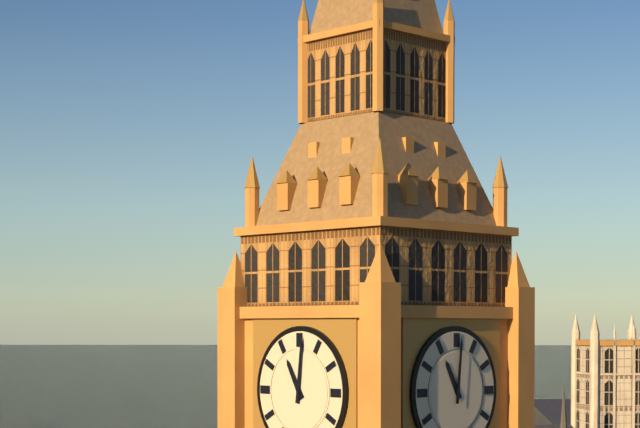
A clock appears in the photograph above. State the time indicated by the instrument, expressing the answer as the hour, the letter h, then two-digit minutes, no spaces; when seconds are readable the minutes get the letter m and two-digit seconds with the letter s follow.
11h01
